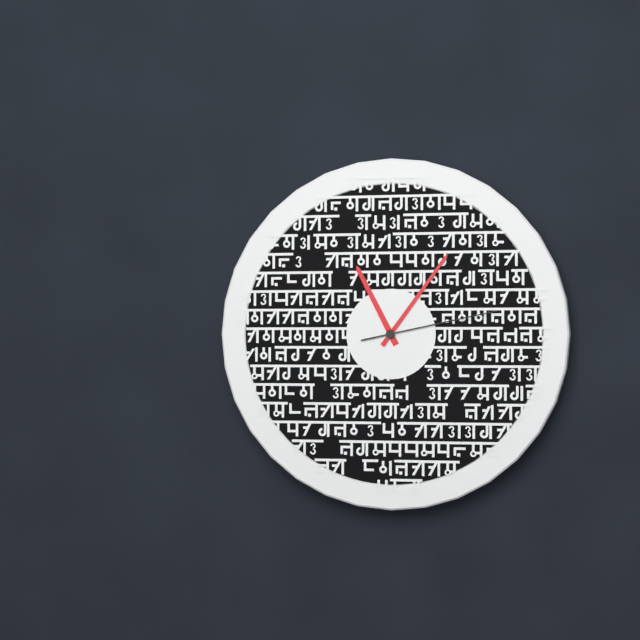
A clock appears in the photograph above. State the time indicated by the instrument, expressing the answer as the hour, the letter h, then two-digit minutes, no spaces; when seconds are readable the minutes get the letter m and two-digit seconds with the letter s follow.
11h06m13s
